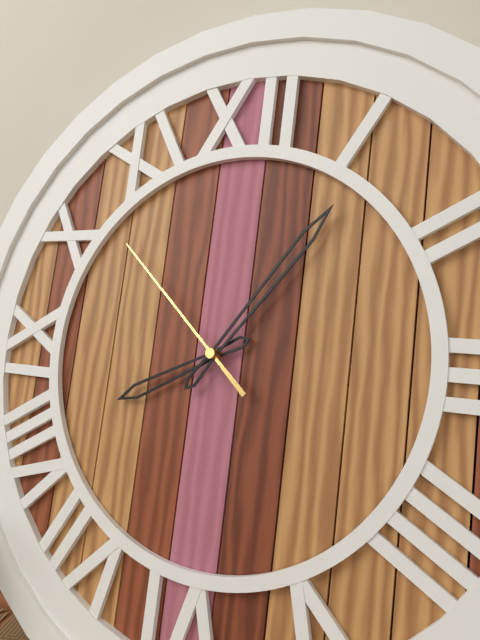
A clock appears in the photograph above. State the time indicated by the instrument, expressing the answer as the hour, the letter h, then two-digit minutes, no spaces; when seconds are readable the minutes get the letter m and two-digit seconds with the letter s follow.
8h06m52s
